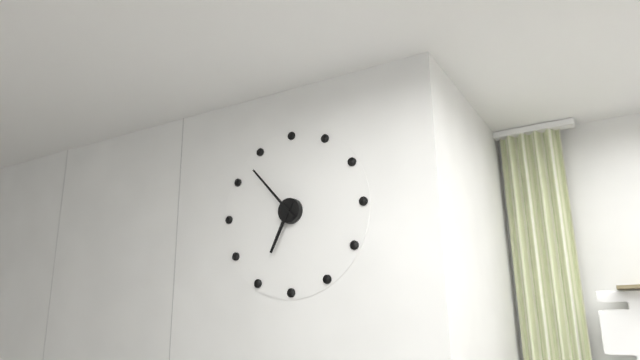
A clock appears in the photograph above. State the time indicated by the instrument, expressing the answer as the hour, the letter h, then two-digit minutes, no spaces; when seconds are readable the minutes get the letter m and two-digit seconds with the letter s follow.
6h53
